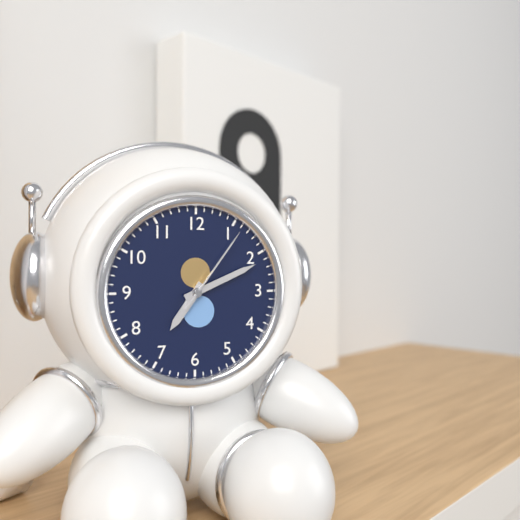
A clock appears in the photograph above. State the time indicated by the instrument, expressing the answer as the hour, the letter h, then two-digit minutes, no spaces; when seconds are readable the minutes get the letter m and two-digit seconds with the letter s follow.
7h11m06s
